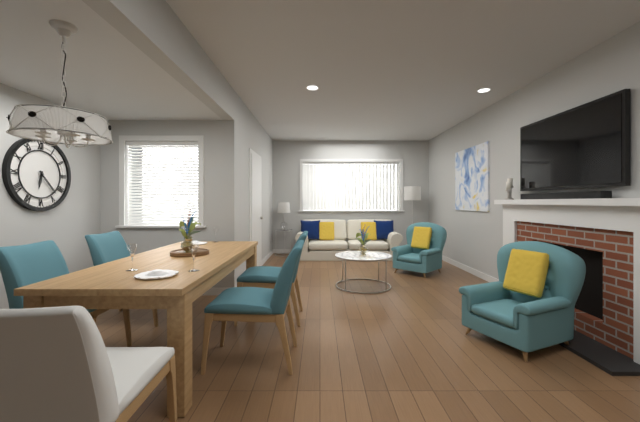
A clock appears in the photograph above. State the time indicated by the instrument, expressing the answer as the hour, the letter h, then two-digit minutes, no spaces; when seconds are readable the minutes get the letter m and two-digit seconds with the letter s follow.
6h23
